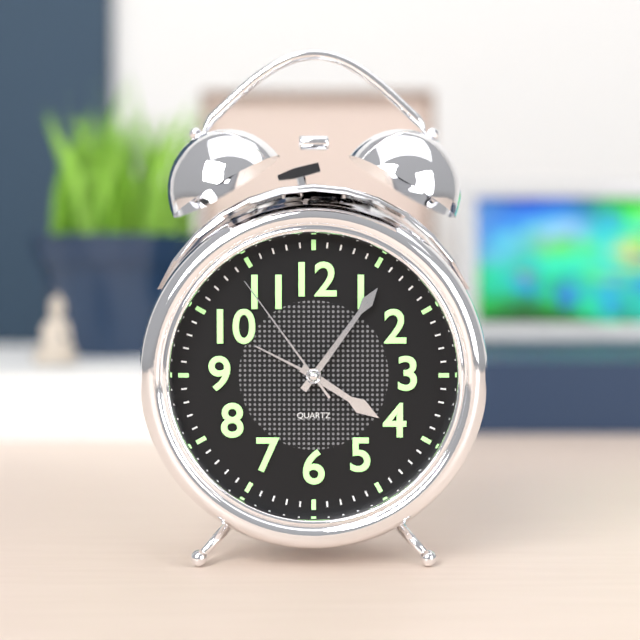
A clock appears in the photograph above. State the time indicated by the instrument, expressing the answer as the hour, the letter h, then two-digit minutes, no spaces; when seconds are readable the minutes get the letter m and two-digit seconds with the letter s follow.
4h06m54s
